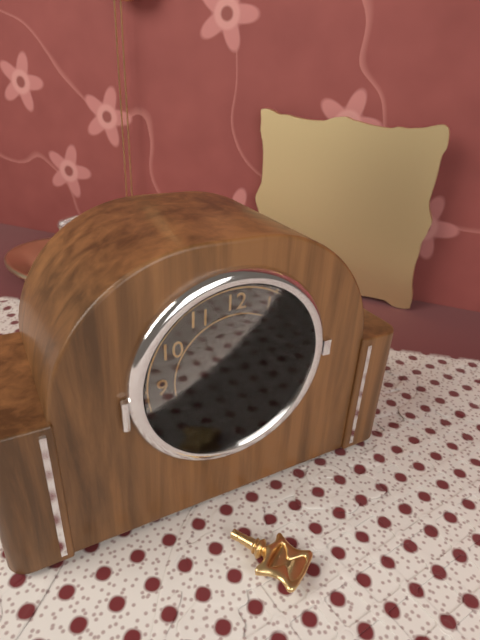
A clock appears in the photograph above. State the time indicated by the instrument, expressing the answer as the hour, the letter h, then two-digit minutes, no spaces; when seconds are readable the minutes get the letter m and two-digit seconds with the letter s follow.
4h34
